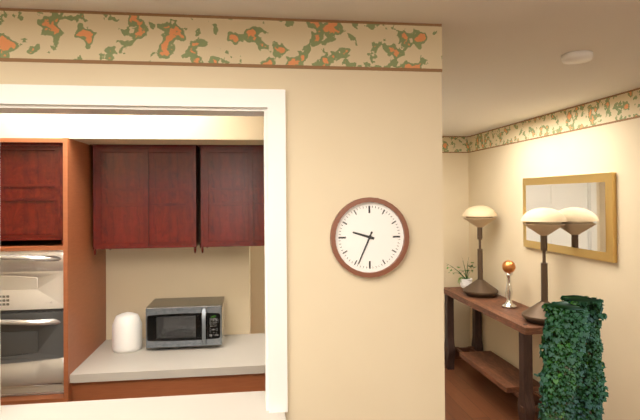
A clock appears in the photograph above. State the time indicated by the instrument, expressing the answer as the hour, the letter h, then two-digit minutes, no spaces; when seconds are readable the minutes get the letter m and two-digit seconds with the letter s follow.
9h34
